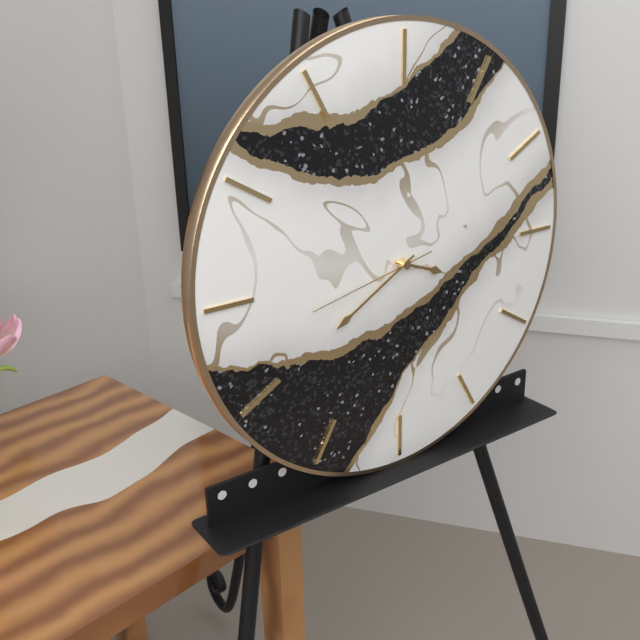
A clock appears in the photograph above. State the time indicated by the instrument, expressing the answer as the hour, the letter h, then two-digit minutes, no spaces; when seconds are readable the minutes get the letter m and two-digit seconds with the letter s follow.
3h40m43s
